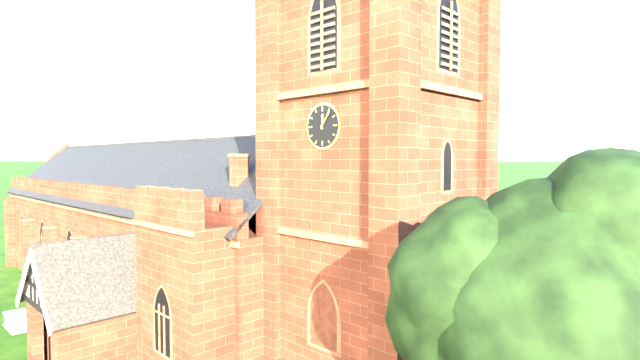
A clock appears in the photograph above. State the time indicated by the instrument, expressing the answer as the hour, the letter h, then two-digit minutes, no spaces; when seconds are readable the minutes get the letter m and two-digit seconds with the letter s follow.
12h06
